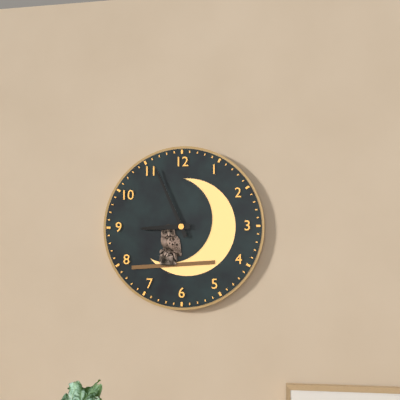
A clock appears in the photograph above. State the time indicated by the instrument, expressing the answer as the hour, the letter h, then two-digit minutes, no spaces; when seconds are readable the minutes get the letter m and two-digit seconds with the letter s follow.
8h56
